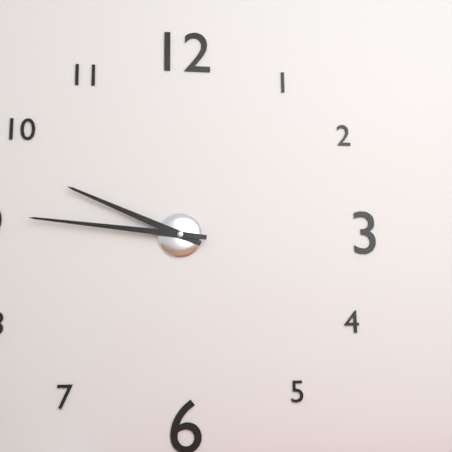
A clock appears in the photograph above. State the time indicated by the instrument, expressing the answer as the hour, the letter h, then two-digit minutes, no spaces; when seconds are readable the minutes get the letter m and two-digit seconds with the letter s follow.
9h46
